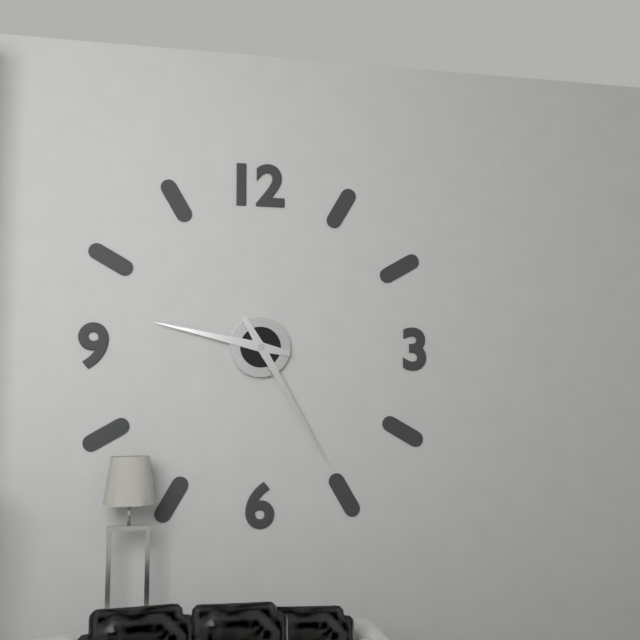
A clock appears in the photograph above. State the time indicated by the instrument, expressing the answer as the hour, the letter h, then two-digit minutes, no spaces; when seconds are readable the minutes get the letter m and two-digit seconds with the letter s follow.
9h25
